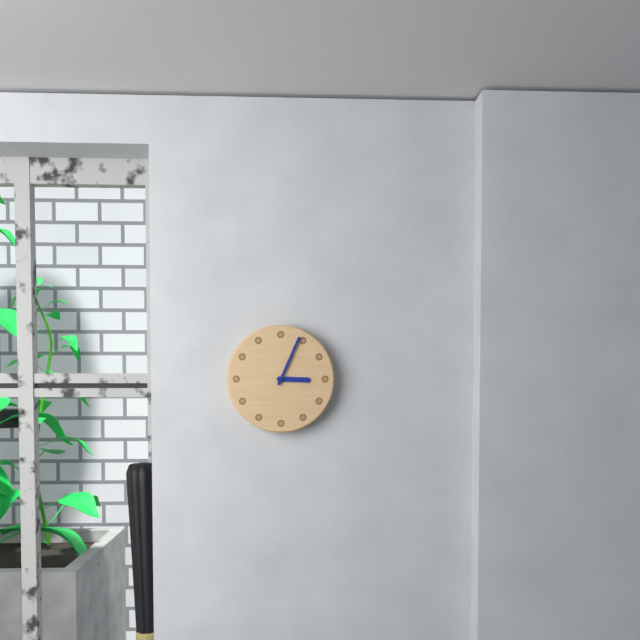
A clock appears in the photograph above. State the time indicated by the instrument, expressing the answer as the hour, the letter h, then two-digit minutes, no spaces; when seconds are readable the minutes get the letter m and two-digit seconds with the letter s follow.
3h04
